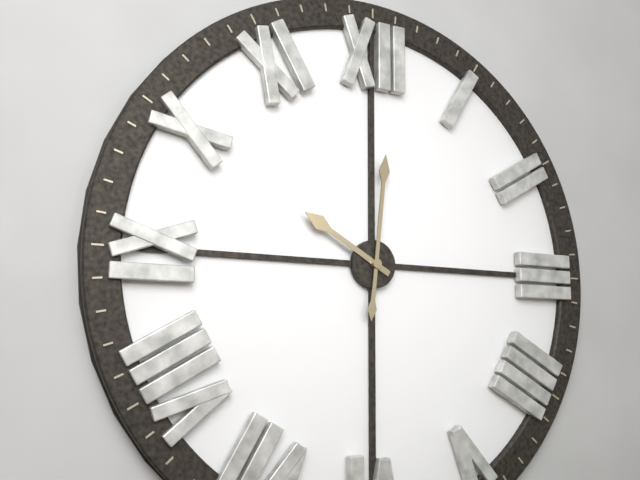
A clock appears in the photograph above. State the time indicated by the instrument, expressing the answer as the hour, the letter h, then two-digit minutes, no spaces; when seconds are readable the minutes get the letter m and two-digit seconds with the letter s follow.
10h01
